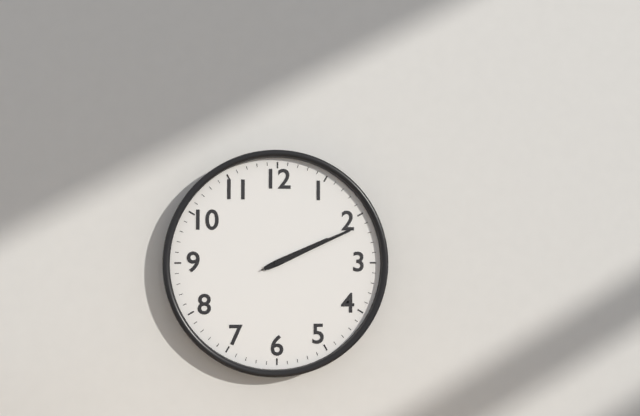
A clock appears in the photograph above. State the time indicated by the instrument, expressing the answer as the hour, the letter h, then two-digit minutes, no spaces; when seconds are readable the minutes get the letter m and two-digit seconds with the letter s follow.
2h11m11s
